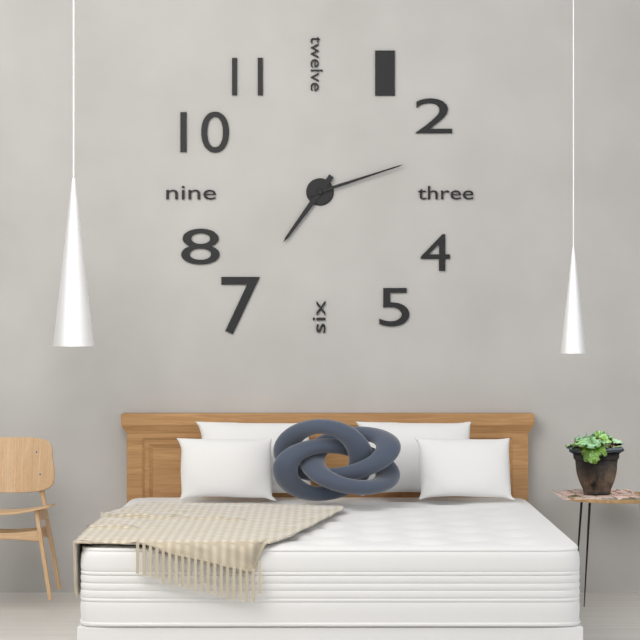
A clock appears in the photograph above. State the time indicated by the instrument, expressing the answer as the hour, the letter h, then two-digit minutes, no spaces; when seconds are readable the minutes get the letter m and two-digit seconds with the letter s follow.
7h12
